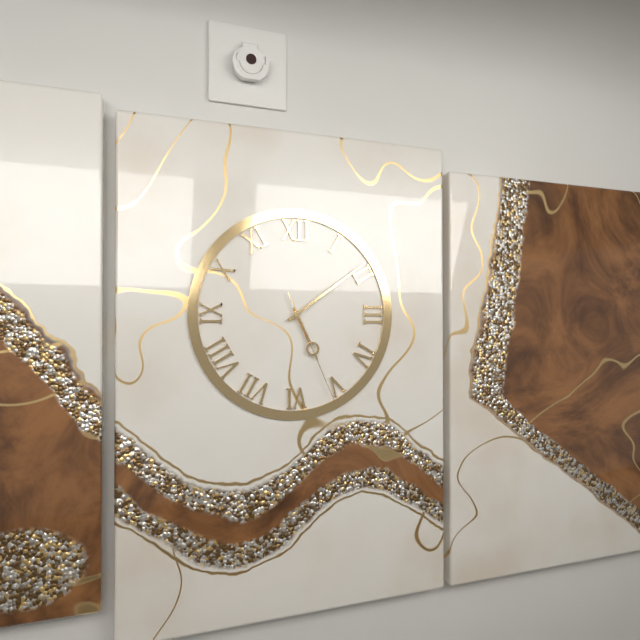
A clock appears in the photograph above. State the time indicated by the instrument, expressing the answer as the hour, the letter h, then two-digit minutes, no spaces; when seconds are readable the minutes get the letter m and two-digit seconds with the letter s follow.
5h09m26s
